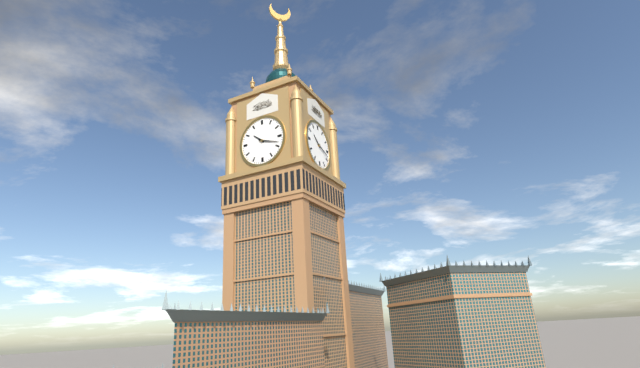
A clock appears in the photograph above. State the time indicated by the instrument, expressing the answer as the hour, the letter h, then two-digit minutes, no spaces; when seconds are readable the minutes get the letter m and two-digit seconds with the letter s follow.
10h18
